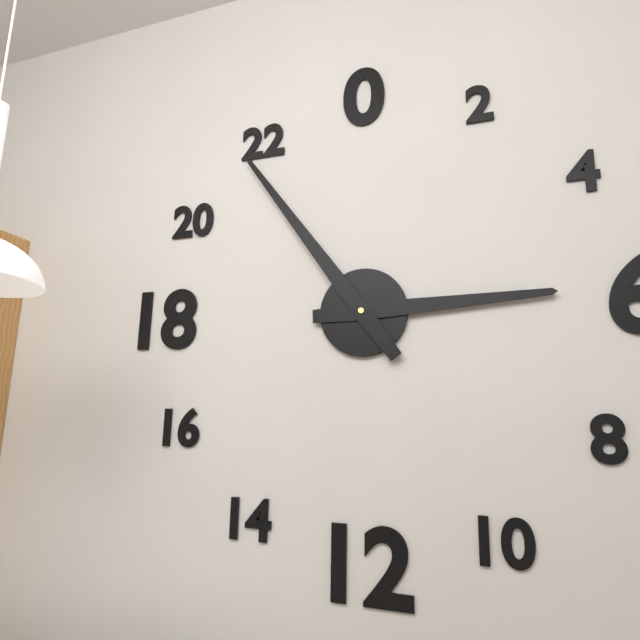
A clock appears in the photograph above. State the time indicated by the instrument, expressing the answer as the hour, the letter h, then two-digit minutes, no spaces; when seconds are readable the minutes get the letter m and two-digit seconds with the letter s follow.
2h54
